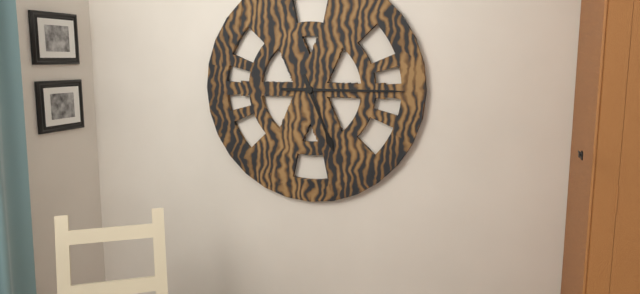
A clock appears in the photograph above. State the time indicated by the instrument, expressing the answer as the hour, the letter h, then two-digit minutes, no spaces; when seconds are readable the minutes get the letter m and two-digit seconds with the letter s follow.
5h15
